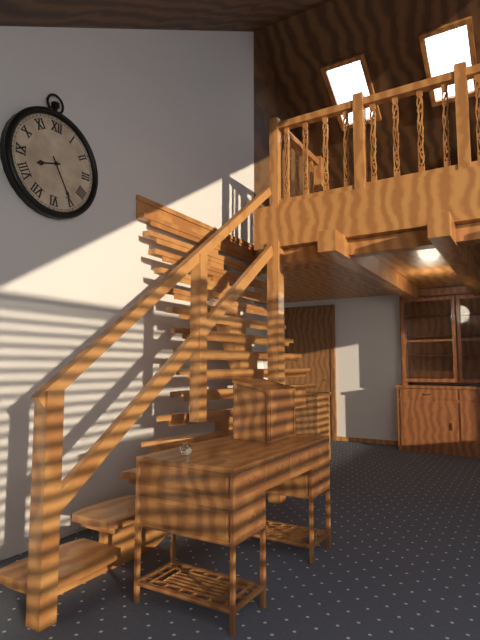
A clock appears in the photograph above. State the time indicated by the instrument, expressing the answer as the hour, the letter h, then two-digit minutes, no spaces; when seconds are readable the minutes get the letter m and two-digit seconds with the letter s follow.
8h25
